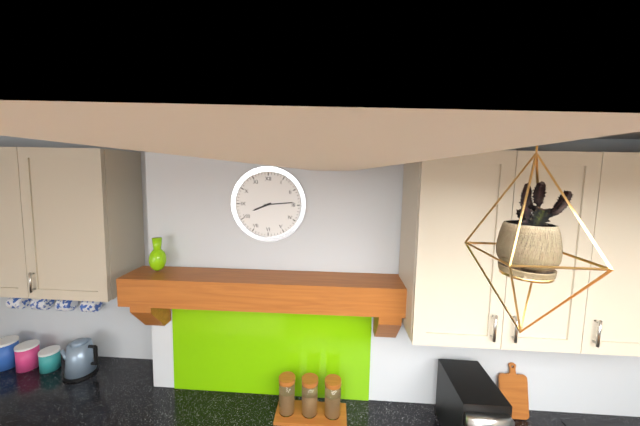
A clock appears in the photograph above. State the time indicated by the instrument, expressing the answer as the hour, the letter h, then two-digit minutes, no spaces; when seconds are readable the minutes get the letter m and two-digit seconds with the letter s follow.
8h14
